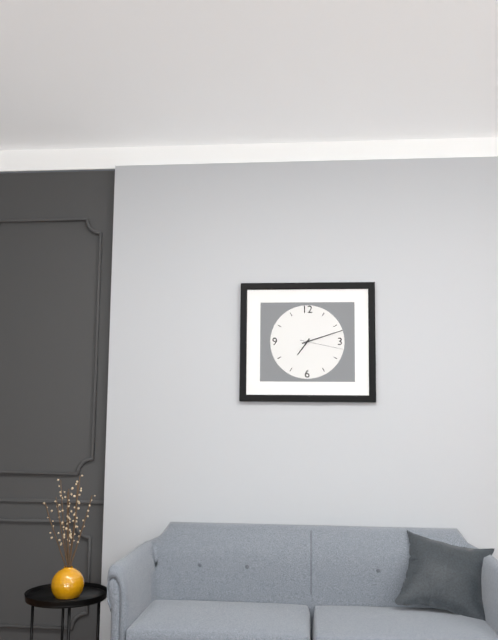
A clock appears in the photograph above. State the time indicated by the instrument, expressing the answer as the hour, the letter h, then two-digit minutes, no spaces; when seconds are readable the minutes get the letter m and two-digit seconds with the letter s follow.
7h12
